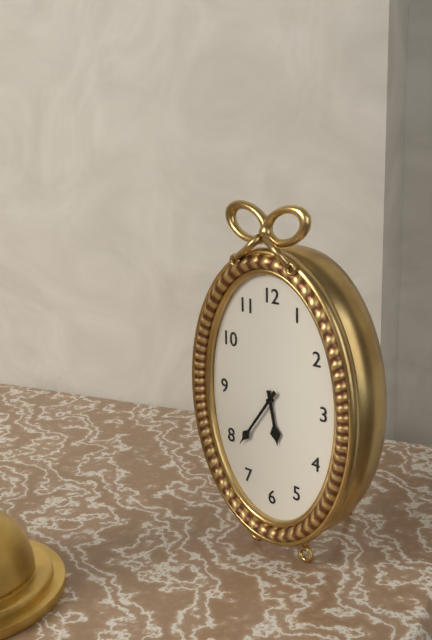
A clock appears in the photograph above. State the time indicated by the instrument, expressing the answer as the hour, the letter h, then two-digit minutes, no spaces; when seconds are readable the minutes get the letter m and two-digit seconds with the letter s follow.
5h36
